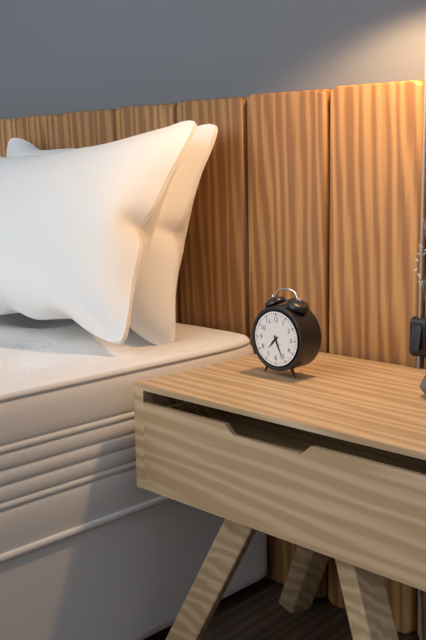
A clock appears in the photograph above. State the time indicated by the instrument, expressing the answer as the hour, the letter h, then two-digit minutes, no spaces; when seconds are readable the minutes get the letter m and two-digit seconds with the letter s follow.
7h26
